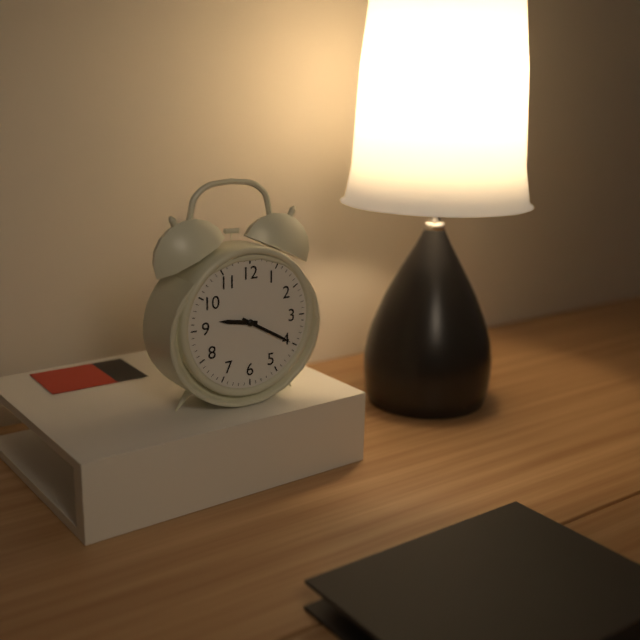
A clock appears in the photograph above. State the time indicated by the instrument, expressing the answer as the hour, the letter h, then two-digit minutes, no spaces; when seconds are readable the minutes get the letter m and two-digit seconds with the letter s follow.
9h20
